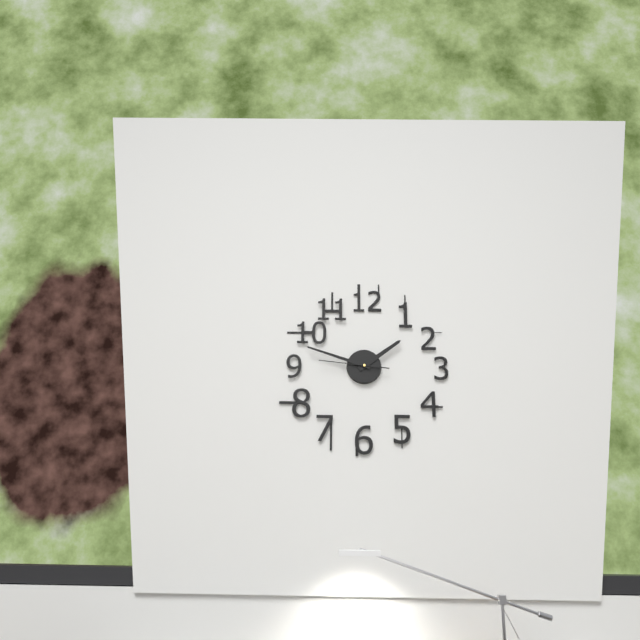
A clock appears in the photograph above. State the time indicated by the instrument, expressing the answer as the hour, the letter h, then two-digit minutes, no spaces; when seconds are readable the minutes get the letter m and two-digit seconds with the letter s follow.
1h48m46s
